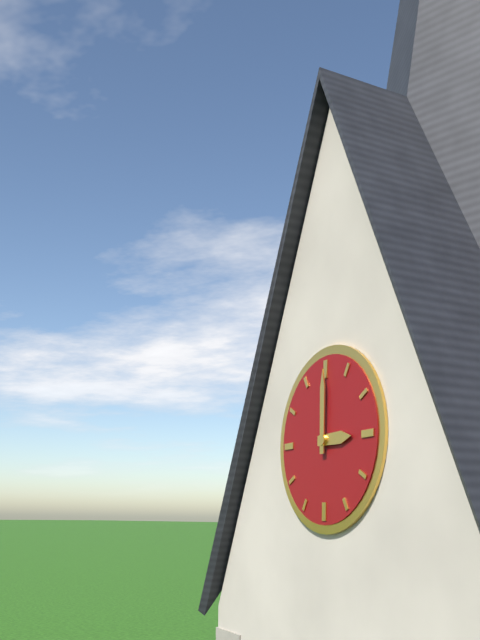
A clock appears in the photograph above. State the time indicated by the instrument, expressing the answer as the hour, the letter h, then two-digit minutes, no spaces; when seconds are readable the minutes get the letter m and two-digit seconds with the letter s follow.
3h00
